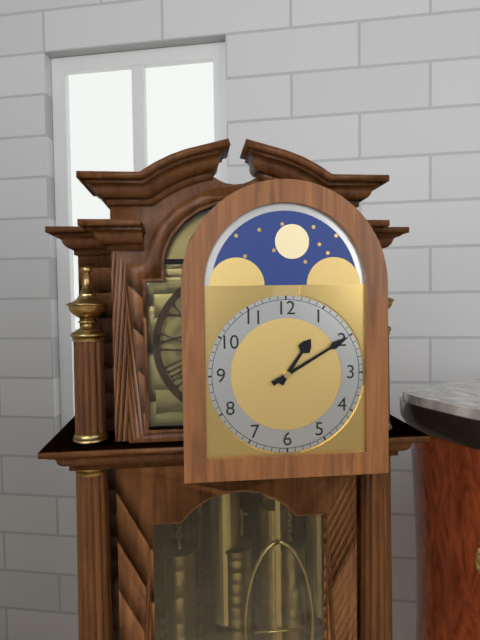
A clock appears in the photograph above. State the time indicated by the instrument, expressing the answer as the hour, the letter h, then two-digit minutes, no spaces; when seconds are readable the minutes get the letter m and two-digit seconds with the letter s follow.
1h10
